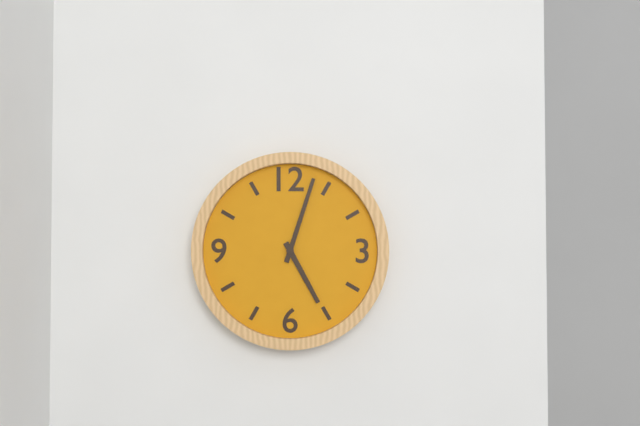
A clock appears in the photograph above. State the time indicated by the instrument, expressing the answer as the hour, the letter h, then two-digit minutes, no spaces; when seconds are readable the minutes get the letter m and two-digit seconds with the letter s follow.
5h03
